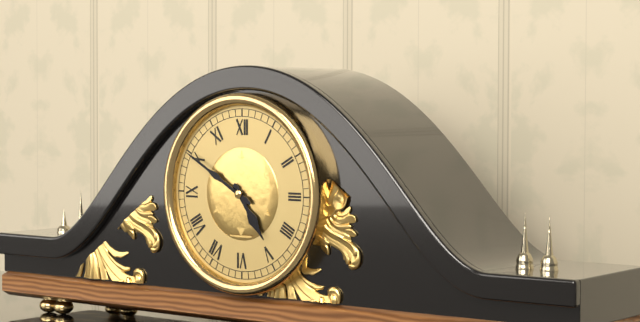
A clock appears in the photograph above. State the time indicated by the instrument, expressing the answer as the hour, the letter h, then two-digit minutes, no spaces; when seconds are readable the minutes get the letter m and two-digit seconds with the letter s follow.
4h50
